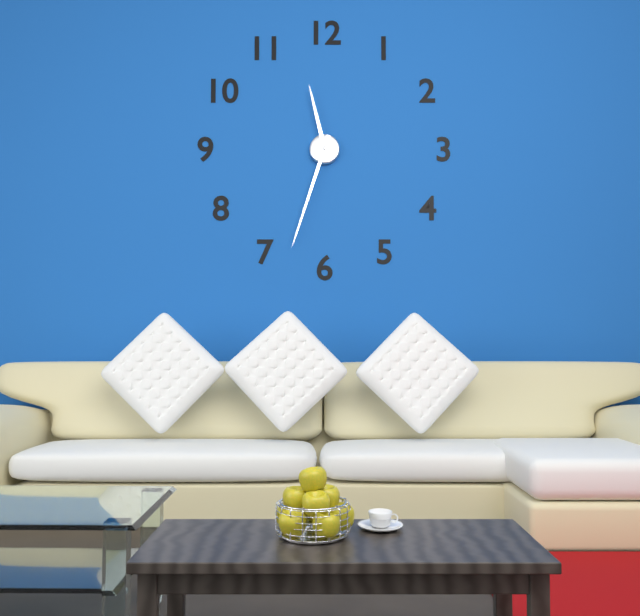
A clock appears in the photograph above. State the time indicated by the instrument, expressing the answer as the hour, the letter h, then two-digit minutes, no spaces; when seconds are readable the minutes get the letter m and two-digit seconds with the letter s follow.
11h33
